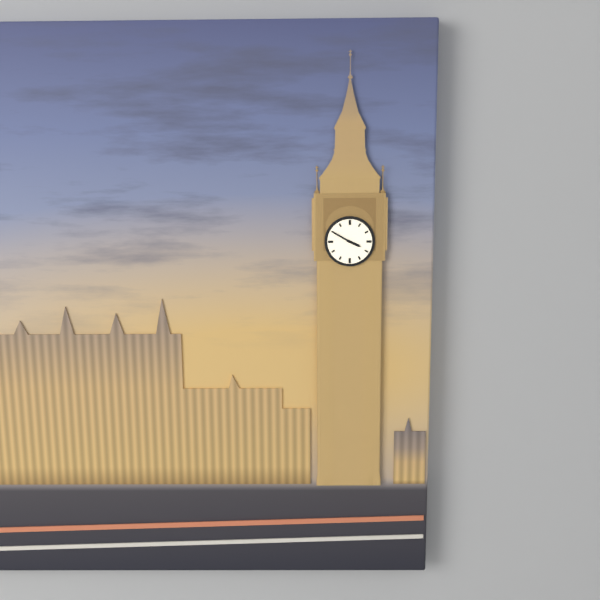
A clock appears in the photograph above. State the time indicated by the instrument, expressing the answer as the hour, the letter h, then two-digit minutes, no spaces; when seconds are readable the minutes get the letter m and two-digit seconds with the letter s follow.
3h50
